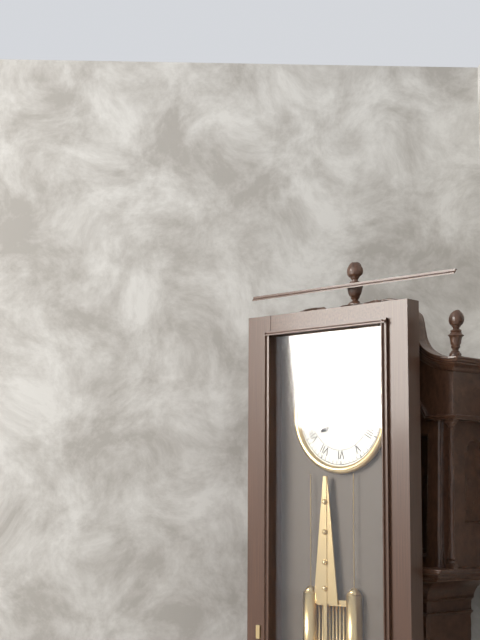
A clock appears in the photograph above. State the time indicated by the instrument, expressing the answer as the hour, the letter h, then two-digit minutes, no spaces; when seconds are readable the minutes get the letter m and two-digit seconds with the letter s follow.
7h48
